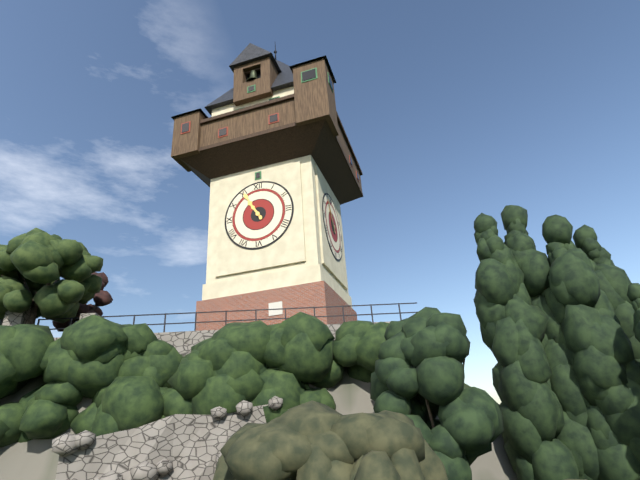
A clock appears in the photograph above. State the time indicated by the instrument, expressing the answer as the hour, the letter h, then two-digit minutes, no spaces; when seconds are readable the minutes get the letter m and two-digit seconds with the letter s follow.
10h55
